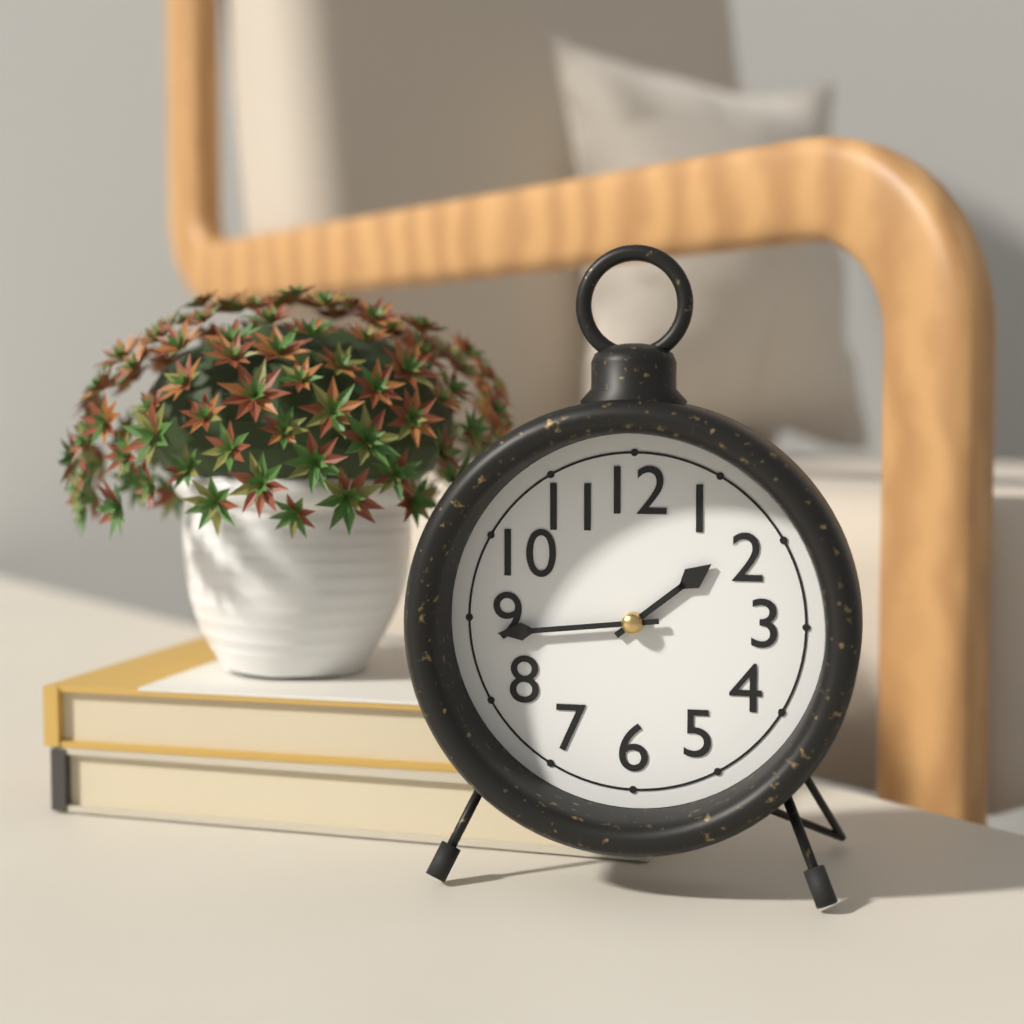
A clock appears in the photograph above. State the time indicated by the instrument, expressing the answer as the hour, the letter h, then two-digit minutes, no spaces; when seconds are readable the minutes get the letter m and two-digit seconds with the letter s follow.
1h44
